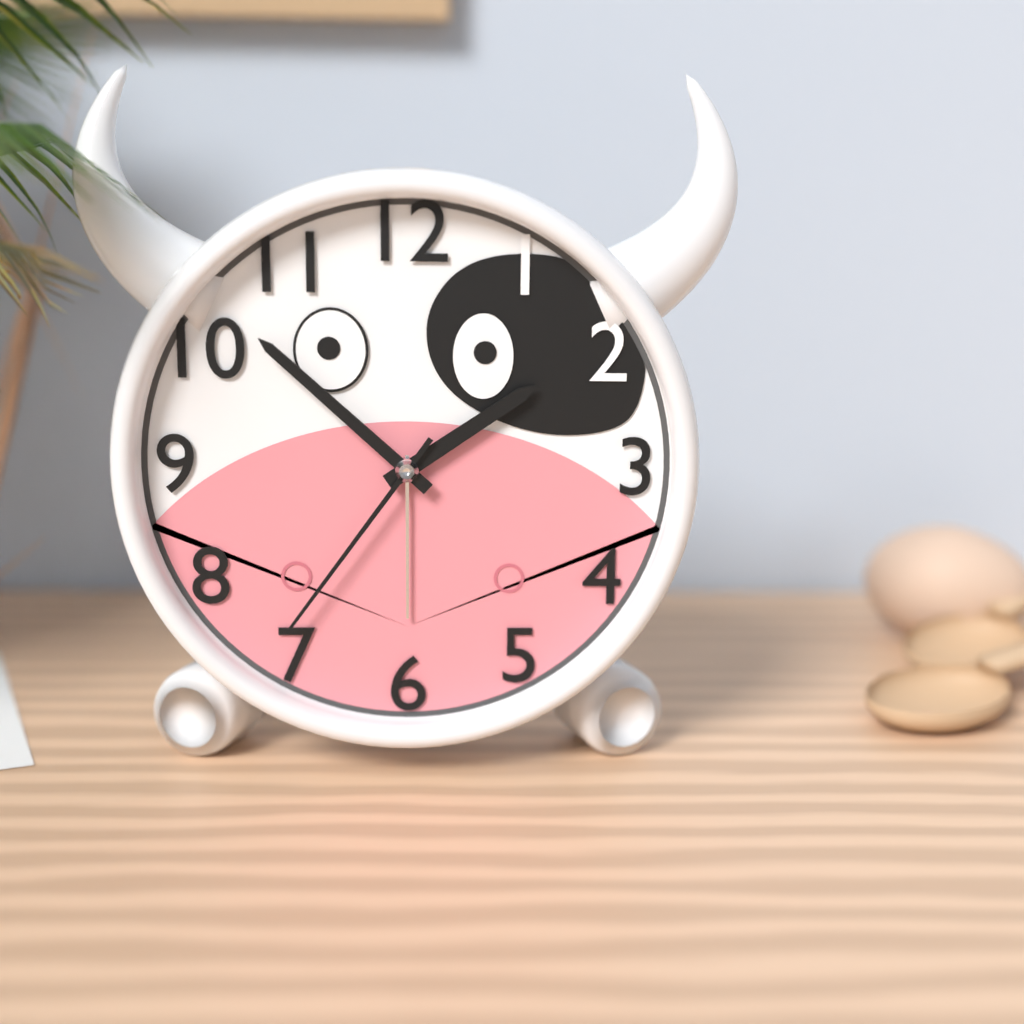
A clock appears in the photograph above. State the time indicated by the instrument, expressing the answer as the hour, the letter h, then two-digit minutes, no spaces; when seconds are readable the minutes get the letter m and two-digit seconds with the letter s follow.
1h52m36s
